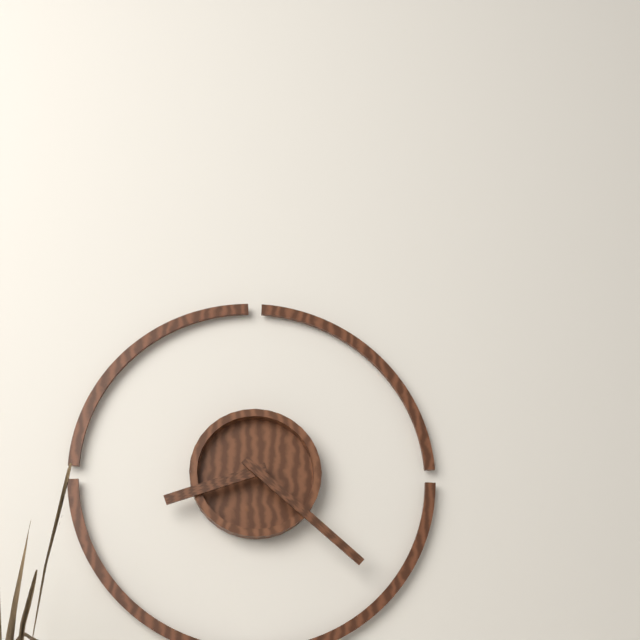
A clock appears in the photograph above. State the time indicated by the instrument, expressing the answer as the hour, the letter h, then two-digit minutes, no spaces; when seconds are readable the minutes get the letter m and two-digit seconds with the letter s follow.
8h22
